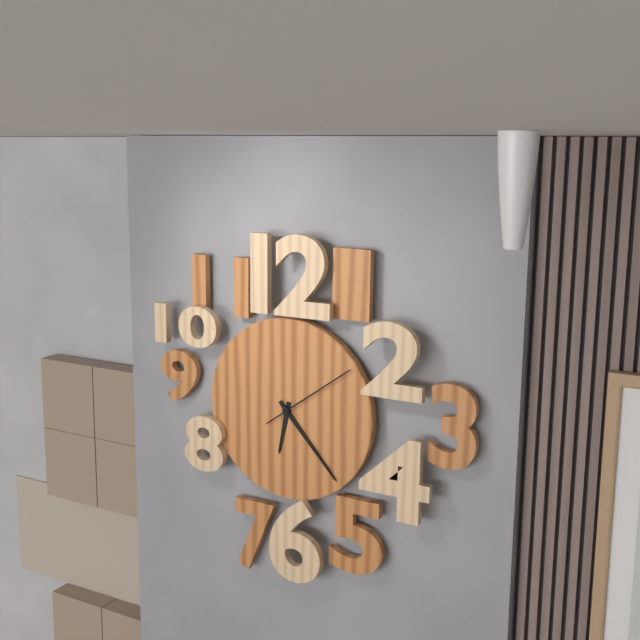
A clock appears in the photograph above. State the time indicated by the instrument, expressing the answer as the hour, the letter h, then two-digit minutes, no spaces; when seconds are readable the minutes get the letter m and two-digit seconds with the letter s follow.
6h23m09s
